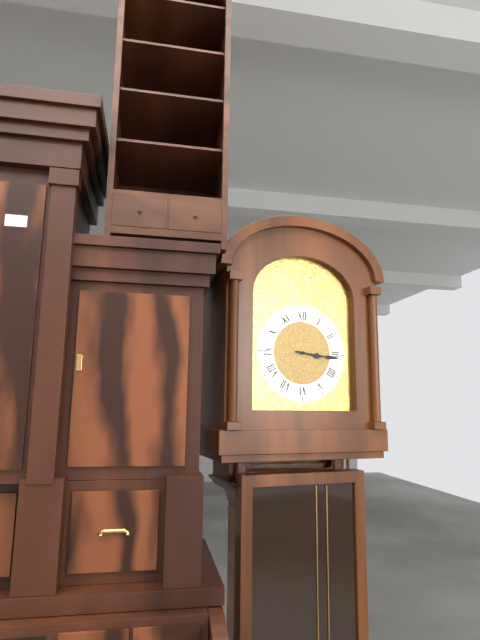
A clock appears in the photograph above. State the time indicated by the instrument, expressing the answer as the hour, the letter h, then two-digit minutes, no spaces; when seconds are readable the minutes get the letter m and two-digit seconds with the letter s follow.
3h16
